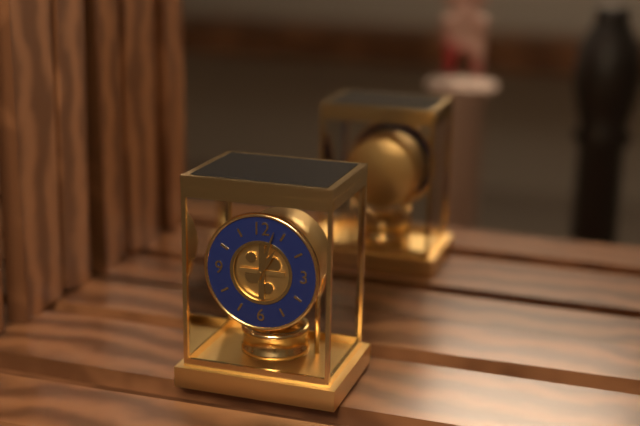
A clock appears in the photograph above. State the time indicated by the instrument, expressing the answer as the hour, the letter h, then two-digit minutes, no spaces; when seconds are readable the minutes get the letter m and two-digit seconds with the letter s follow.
1h03
